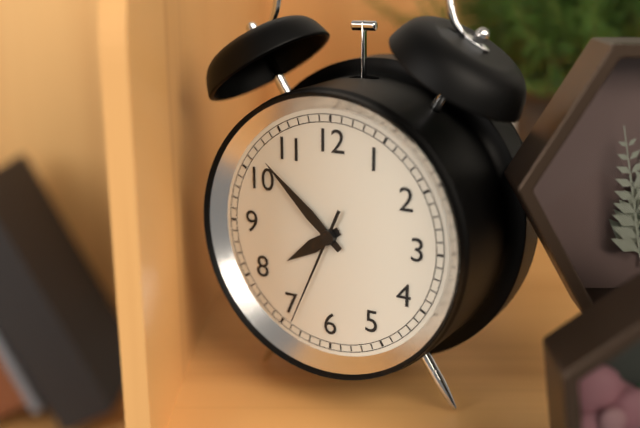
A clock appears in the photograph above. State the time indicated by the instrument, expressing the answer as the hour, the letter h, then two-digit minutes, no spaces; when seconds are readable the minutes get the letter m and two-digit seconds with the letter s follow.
7h52m34s
